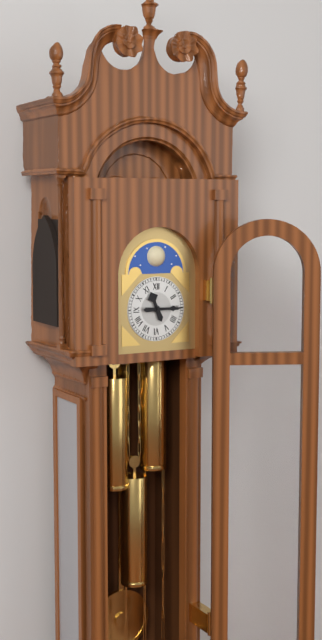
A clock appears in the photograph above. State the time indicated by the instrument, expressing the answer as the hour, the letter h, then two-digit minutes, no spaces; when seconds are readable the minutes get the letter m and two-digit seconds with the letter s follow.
11h15
